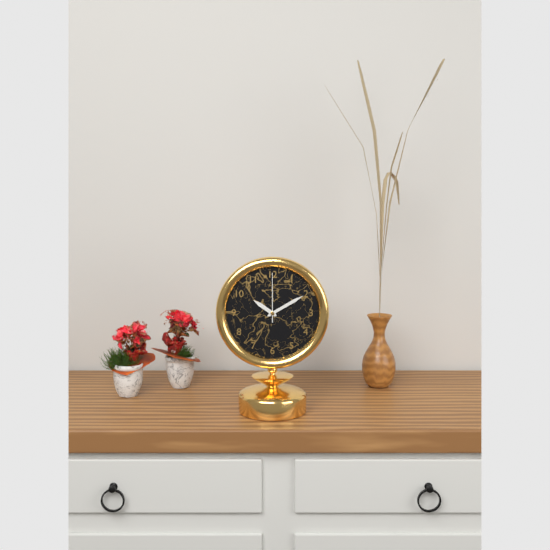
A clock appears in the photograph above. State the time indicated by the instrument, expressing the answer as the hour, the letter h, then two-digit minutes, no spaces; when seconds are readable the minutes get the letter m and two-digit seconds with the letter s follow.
10h10m00s
